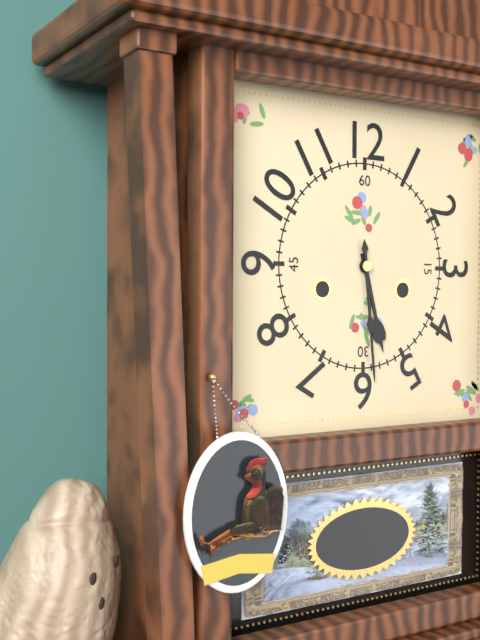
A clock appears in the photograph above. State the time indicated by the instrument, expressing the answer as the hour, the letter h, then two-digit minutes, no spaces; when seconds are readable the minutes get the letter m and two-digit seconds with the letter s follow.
5h29
